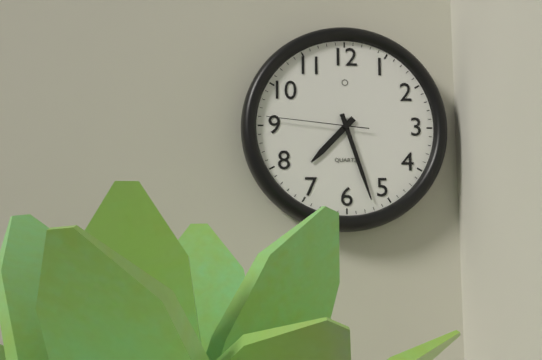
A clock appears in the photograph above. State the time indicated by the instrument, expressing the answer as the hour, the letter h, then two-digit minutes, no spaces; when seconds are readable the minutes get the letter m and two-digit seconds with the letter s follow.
7h27m46s
